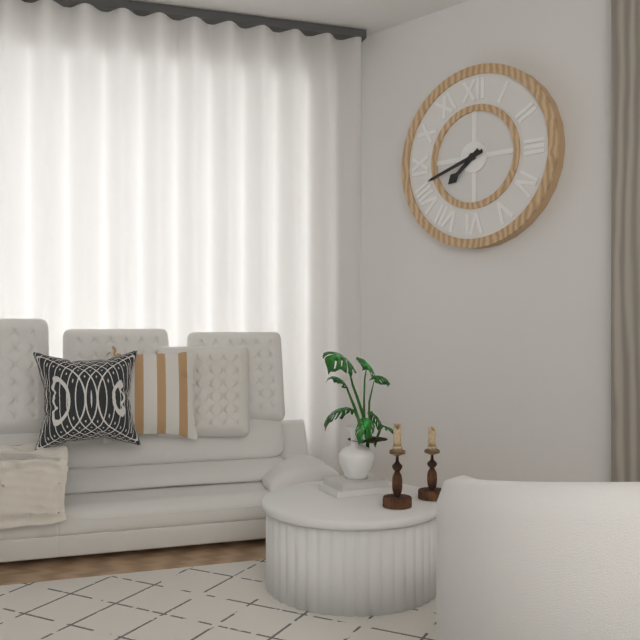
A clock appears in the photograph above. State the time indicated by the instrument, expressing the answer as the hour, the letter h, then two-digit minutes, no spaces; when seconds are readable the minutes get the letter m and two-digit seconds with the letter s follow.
7h42
